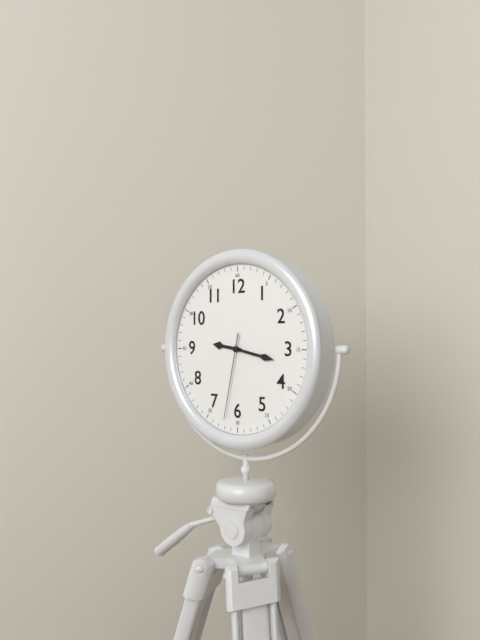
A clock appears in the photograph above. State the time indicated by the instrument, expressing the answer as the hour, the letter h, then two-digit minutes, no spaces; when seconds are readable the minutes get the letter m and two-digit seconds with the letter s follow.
9h17m32s
